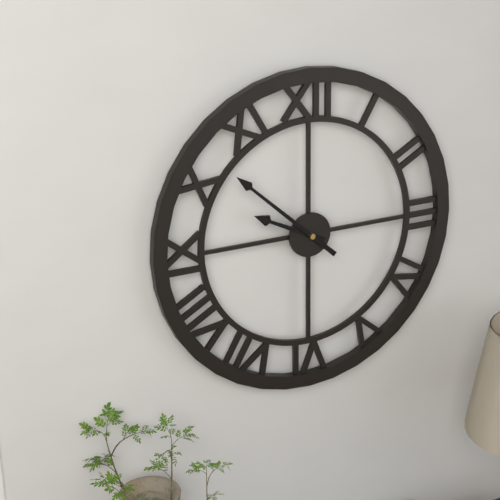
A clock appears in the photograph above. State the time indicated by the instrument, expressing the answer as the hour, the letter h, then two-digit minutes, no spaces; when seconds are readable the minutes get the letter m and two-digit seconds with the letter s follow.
9h52
